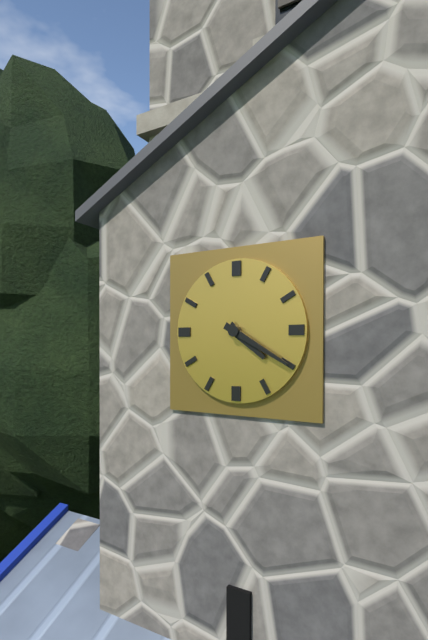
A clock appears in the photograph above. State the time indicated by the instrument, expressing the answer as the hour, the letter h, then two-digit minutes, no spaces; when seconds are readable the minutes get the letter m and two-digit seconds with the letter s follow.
4h20
